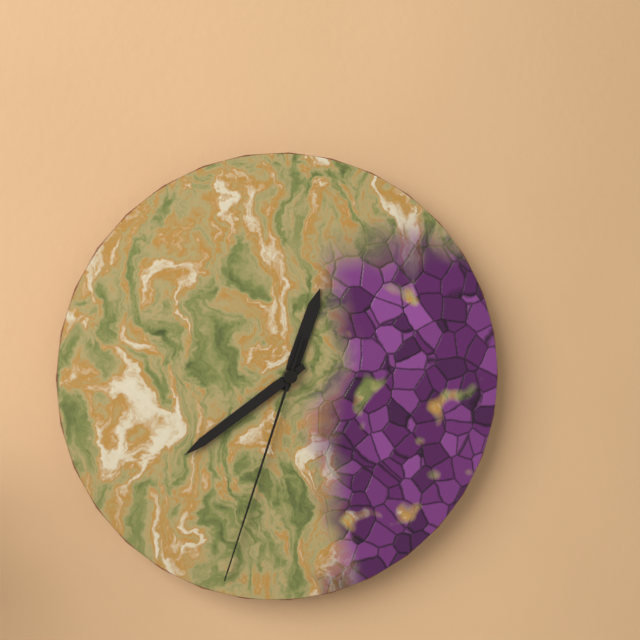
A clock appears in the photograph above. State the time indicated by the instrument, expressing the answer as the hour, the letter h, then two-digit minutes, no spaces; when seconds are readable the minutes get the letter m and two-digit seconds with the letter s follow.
12h39m33s
